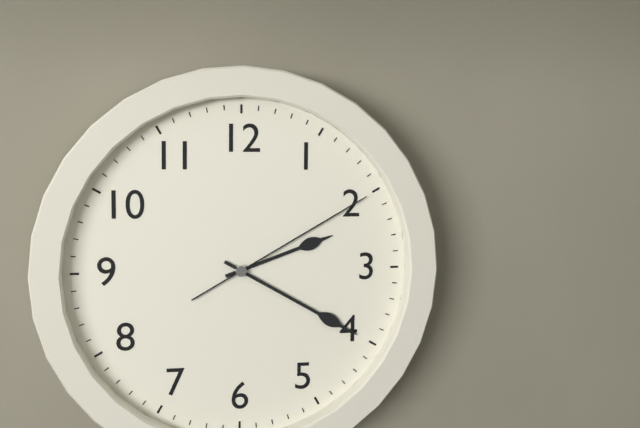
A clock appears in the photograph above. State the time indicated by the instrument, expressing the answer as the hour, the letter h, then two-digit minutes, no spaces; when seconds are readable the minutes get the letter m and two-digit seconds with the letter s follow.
2h20m10s
